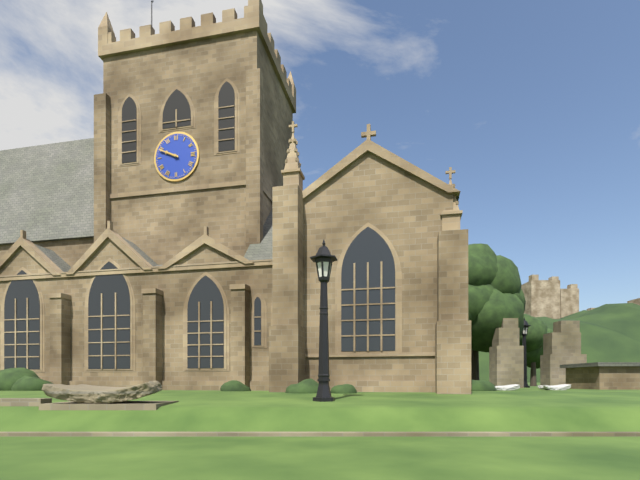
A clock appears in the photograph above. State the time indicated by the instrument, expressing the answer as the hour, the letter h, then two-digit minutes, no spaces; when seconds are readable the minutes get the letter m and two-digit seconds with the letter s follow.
9h49
